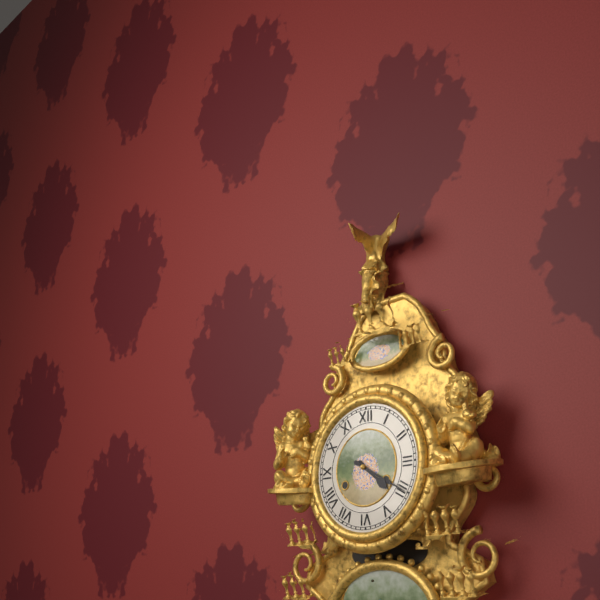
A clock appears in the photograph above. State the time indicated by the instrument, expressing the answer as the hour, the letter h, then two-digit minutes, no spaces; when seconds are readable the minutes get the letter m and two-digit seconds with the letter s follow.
4h20
